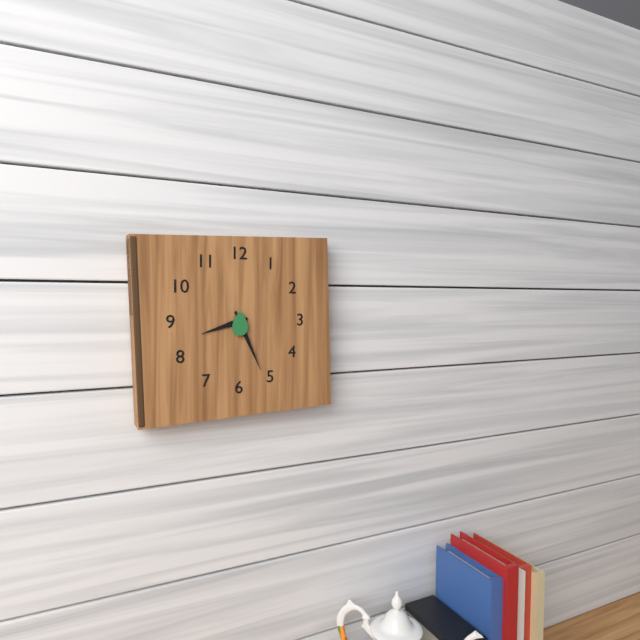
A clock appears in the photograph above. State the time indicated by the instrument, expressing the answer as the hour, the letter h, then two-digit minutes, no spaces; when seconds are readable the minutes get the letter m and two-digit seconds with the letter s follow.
8h26
